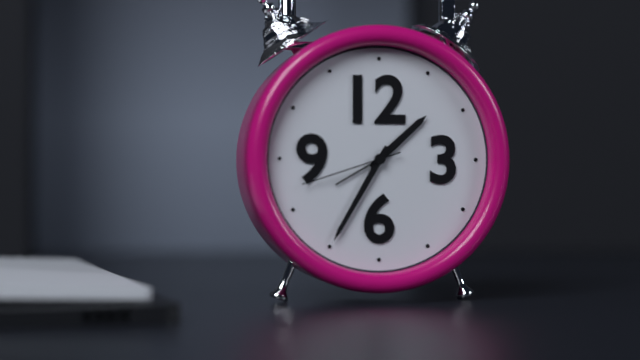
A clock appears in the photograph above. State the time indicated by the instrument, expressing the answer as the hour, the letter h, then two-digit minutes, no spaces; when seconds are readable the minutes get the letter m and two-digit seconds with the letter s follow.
1h35m42s
